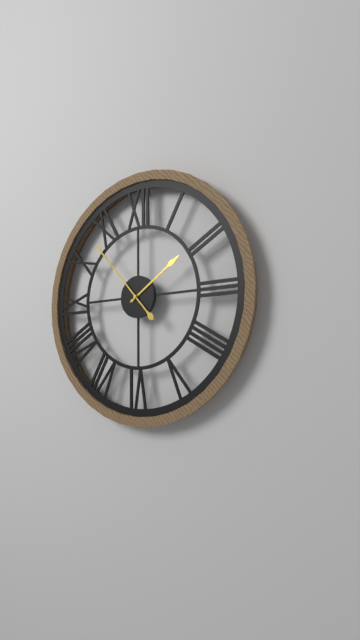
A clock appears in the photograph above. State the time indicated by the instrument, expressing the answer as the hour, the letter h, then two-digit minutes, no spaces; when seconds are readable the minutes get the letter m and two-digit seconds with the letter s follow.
1h53
